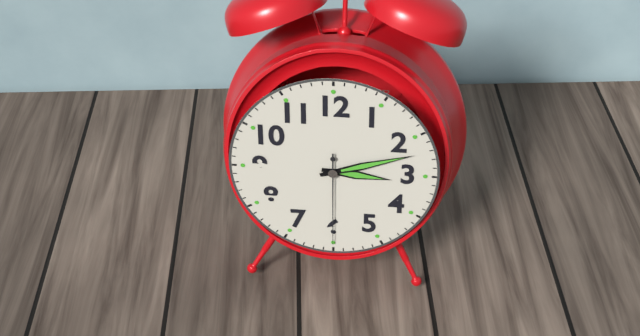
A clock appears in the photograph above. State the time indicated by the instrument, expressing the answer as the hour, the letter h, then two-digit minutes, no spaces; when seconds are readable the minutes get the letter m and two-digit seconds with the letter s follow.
3h12m30s
